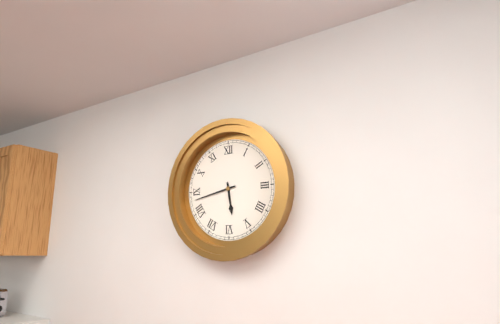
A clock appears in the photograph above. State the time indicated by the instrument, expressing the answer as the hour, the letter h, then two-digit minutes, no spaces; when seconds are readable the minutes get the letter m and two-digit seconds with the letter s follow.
5h43
